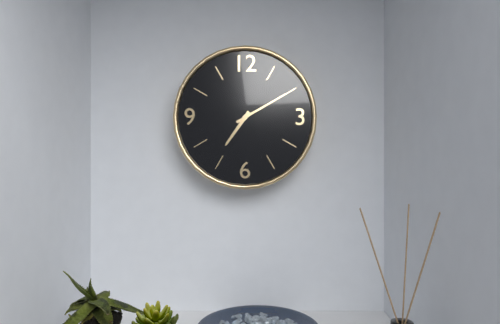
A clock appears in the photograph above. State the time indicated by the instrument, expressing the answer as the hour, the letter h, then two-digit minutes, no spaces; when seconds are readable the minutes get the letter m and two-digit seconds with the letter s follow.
7h10
